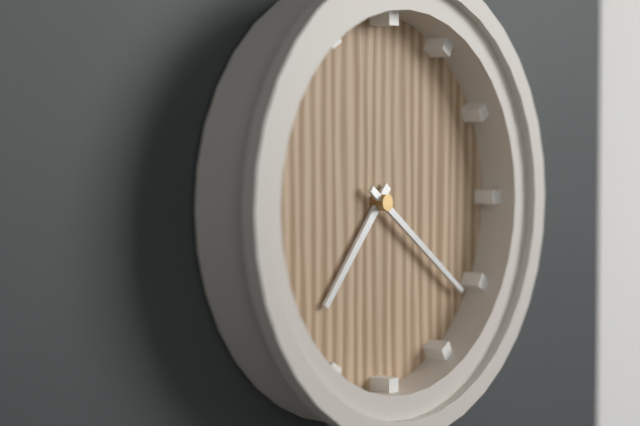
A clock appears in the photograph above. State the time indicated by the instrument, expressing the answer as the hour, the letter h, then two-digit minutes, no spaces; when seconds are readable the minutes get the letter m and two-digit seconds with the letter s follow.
7h21
